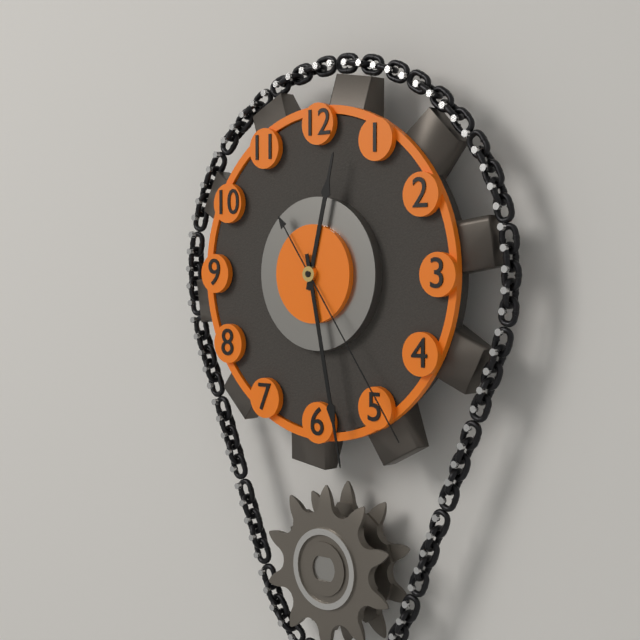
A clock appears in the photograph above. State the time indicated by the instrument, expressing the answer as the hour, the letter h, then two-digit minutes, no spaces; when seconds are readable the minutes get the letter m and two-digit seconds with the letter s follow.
12h28m24s
